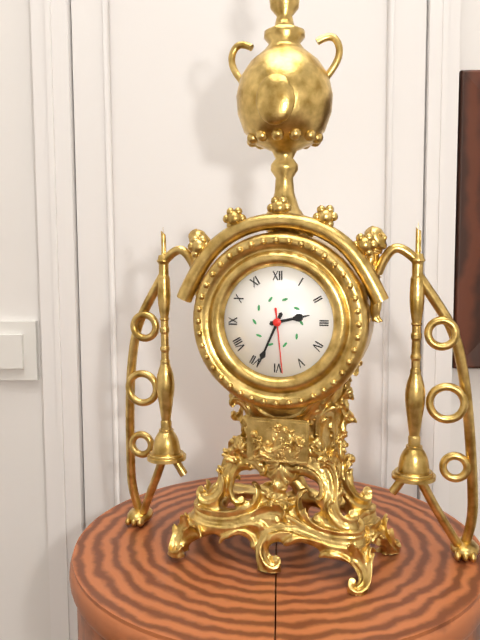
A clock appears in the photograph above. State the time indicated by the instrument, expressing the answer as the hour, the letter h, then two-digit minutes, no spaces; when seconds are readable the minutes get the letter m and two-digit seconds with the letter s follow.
2h34m29s
